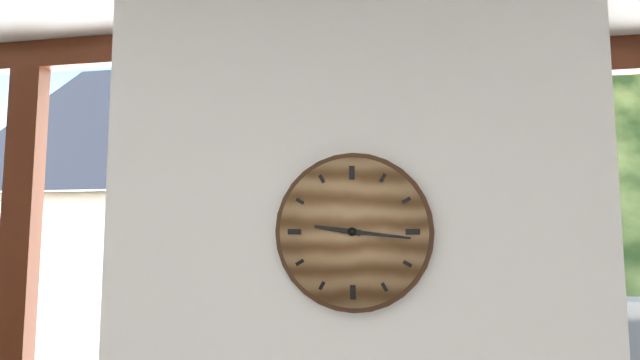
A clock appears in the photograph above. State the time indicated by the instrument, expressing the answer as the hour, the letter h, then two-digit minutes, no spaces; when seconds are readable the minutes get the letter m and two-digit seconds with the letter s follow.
9h16
